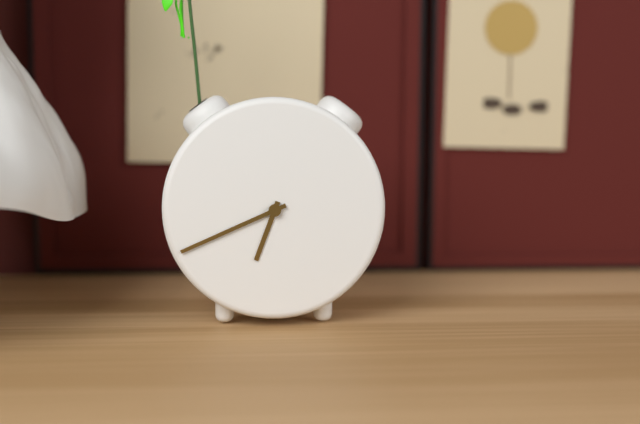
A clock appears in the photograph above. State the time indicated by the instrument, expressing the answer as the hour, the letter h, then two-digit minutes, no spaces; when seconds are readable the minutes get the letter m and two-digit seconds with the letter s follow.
6h41
